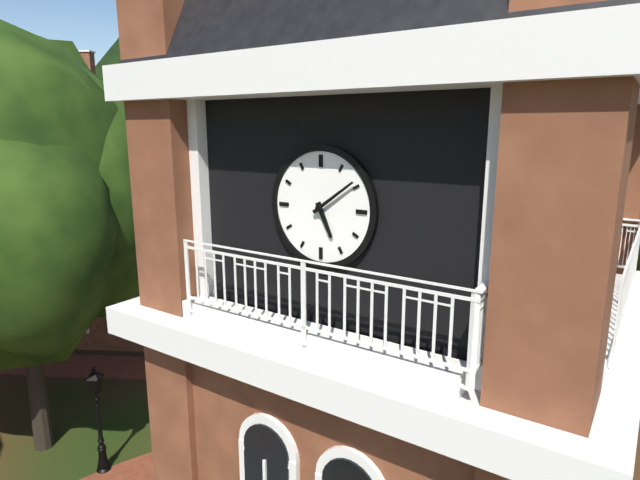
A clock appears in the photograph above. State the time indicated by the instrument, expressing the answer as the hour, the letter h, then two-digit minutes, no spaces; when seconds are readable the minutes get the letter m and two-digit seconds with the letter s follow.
5h09
